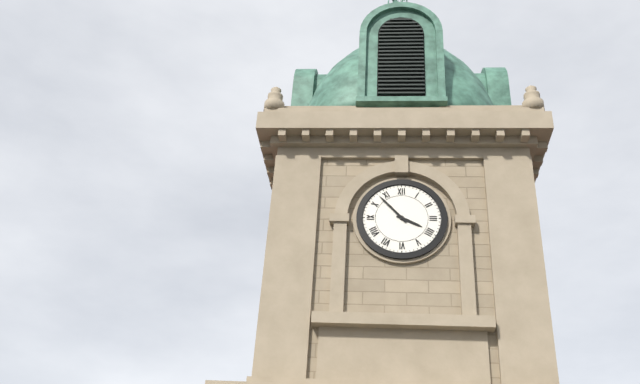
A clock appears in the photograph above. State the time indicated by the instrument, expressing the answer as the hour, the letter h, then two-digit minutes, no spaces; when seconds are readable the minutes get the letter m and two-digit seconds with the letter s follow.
3h53
